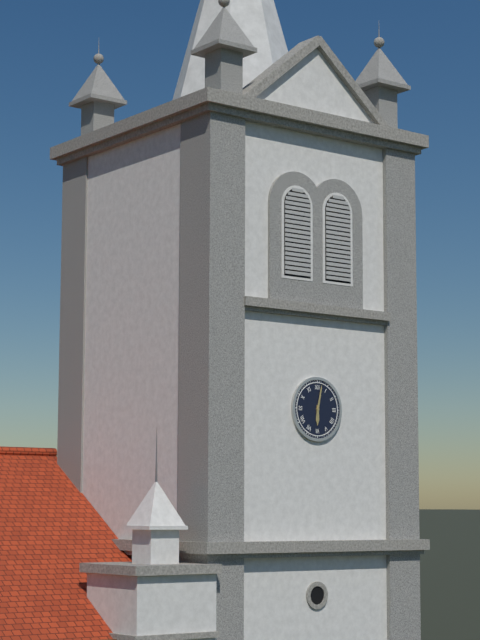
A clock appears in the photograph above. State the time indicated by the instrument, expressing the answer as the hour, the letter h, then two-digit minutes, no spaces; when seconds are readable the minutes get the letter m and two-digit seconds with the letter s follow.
6h02
